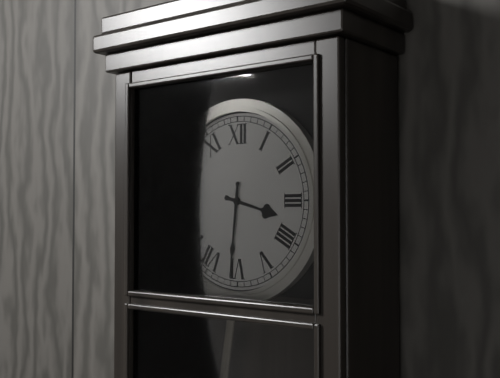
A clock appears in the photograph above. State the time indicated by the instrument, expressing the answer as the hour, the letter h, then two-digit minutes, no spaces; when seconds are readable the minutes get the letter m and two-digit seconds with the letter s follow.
3h31
